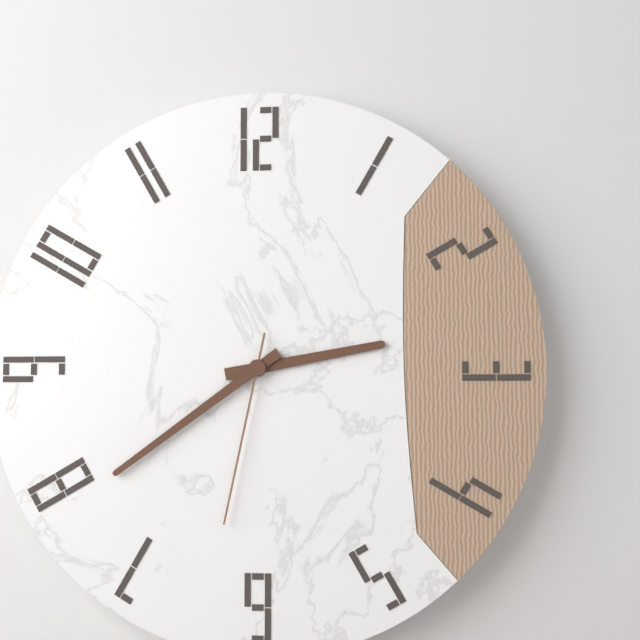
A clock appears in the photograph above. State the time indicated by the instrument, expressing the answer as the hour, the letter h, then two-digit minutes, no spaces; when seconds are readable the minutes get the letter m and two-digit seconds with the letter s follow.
2h39m32s
